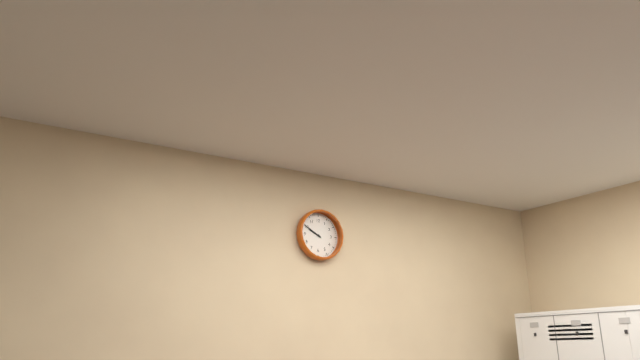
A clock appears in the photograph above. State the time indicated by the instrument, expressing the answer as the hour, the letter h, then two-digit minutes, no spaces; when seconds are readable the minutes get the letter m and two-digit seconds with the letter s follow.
9h50
